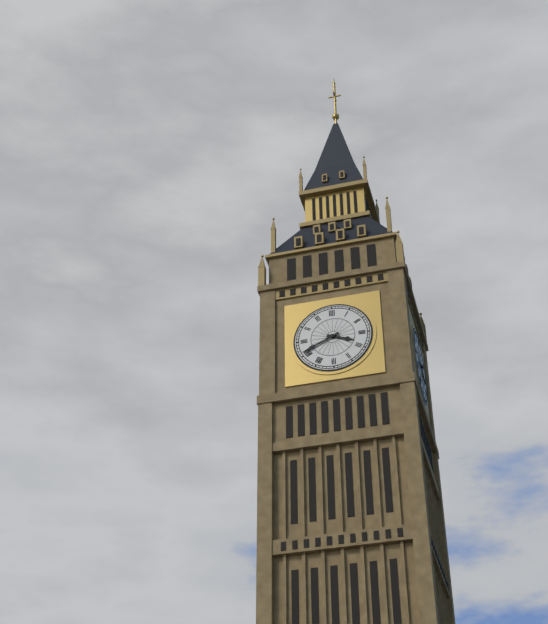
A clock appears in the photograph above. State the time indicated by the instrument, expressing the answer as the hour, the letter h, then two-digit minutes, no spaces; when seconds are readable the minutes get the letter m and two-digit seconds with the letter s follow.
3h41
